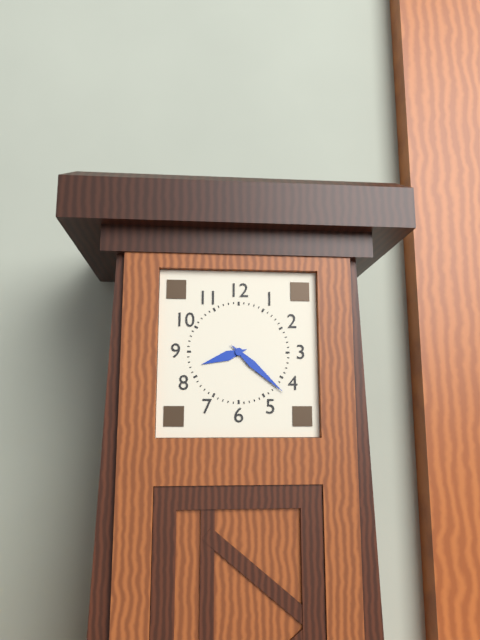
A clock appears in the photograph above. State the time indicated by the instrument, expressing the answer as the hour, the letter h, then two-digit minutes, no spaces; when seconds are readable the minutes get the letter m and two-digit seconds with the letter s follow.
8h22
